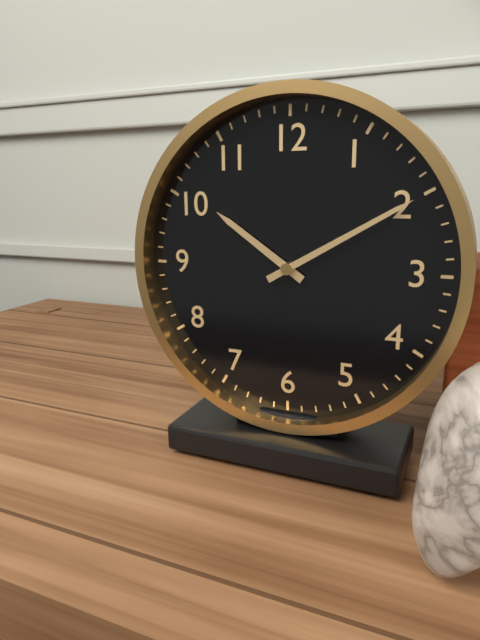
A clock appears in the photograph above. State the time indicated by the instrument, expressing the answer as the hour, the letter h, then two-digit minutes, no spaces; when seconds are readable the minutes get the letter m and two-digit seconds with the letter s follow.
10h10
